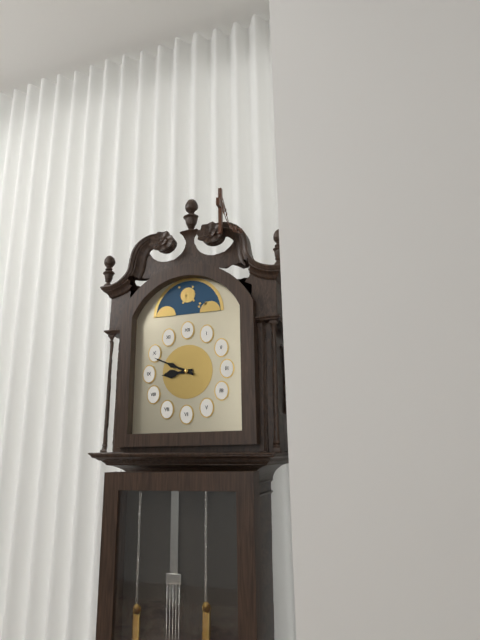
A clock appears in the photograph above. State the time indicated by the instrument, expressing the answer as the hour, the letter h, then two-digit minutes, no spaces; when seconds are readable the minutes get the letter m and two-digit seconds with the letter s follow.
8h49
